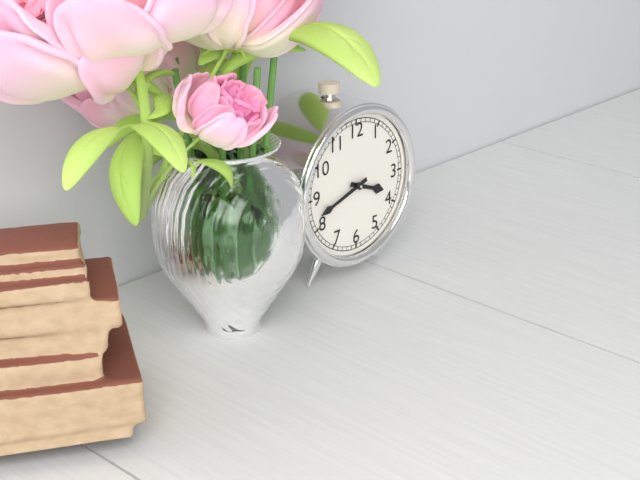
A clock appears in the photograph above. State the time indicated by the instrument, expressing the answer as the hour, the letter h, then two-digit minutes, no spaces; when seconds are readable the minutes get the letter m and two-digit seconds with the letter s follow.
3h42
